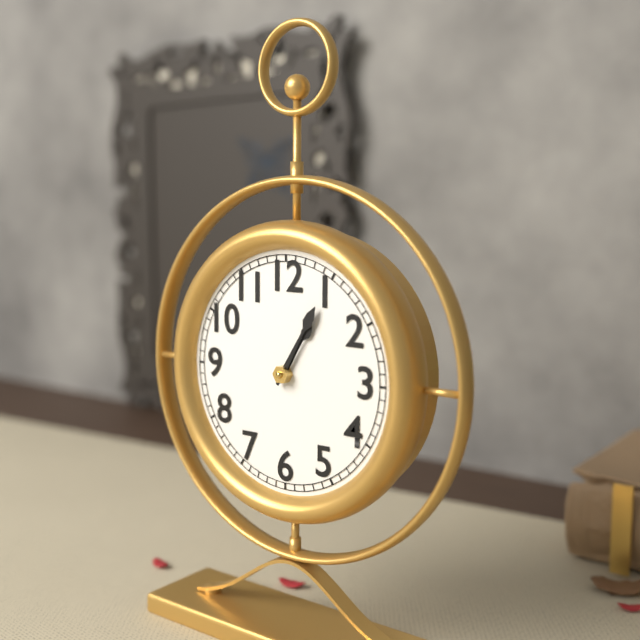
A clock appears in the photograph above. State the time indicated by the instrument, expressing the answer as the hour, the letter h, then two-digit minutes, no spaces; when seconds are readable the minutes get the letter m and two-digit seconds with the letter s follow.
1h05
